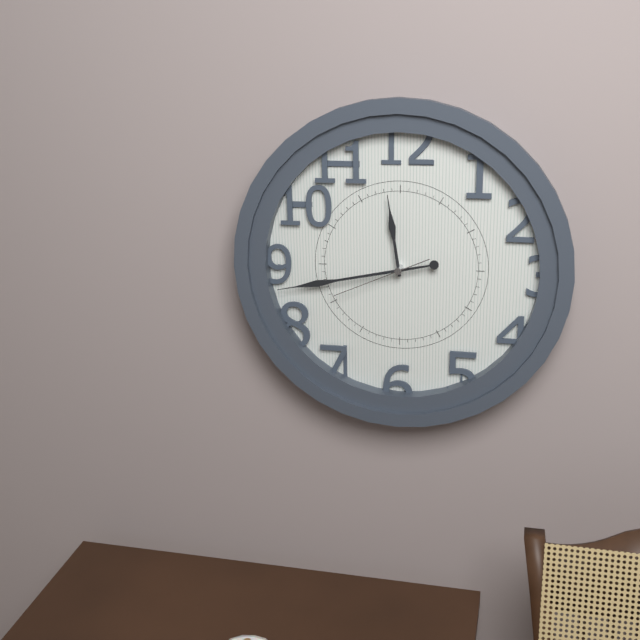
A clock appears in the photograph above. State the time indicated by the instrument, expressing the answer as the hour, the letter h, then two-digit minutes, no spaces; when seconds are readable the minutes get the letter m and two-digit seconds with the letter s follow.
11h43m41s
